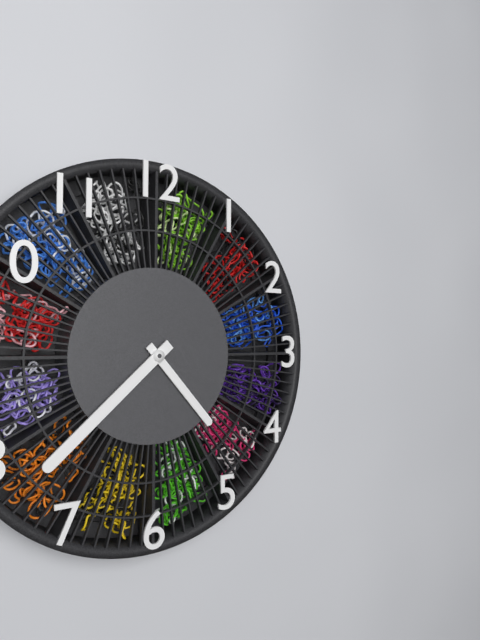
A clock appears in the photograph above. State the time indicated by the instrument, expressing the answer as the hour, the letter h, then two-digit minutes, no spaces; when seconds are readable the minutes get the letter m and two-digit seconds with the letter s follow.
4h38
